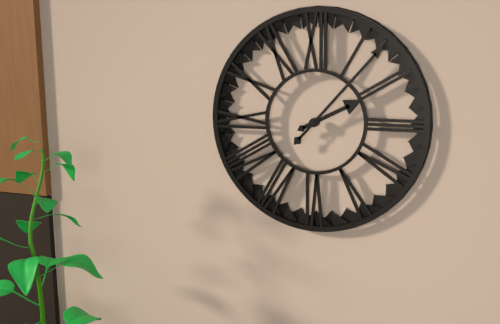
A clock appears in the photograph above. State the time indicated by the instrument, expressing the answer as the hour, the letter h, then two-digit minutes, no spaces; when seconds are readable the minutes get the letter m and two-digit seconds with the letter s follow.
2h07
